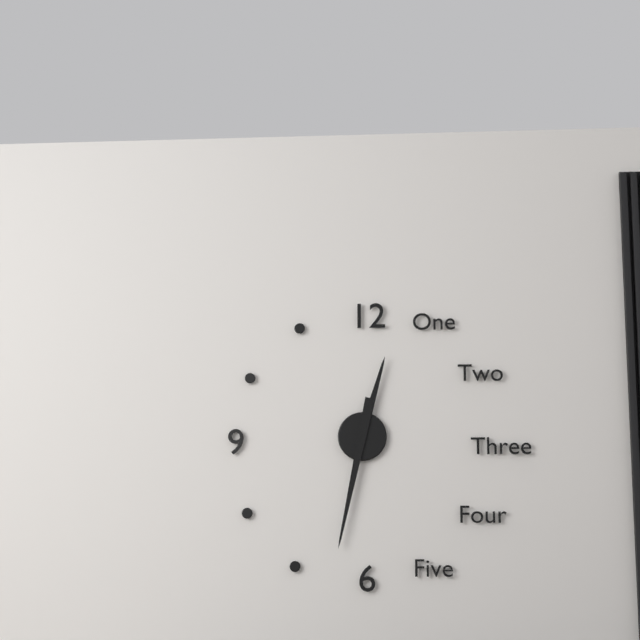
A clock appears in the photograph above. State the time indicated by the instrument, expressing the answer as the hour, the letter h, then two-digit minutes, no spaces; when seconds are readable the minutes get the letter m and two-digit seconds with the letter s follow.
12h32
